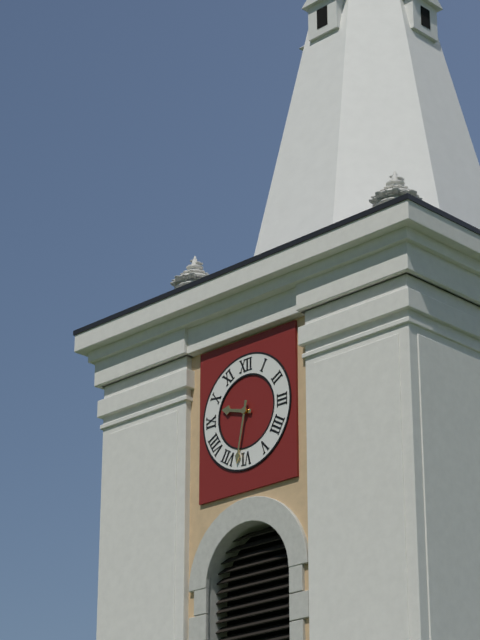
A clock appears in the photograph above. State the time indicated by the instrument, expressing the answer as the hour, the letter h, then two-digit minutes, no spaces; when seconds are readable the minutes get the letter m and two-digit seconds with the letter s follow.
9h32
